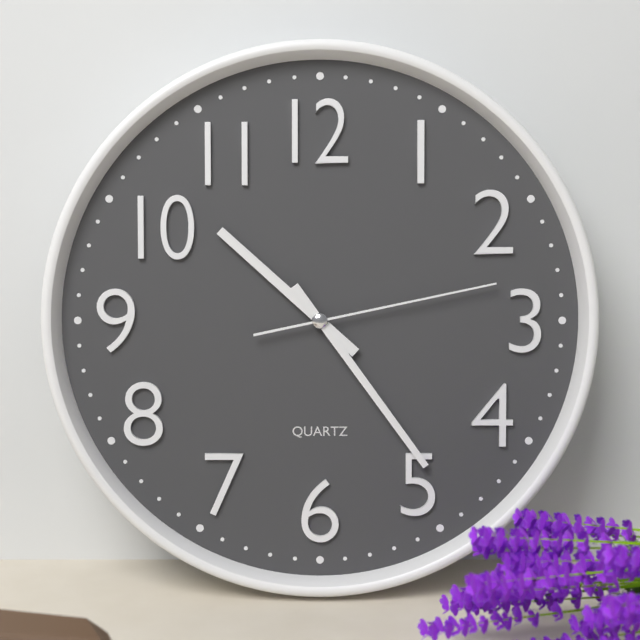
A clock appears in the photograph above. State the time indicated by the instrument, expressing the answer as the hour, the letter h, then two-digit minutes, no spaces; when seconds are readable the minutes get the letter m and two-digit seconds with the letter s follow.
10h24m13s
